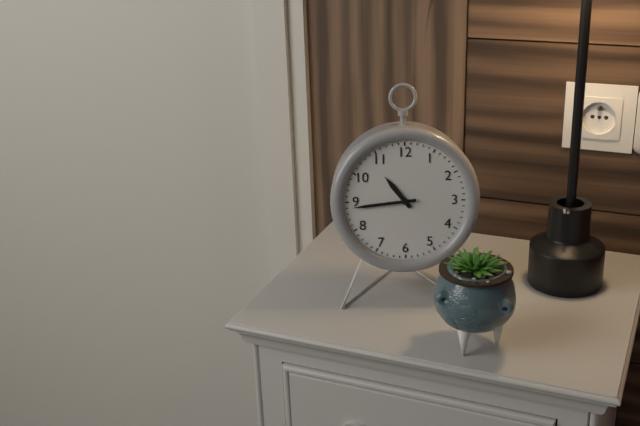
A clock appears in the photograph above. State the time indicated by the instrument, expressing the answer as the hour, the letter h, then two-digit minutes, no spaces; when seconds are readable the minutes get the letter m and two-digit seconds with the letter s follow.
10h44
